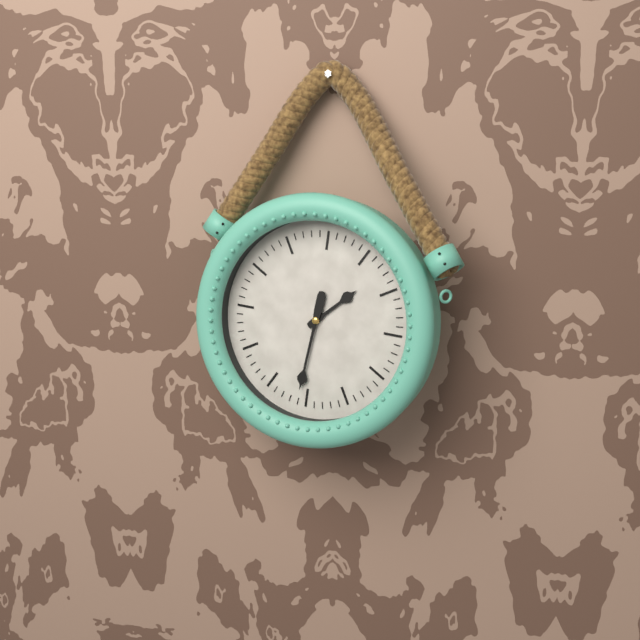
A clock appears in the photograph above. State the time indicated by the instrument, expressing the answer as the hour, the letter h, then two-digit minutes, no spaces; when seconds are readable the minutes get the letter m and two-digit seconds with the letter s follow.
1h31
